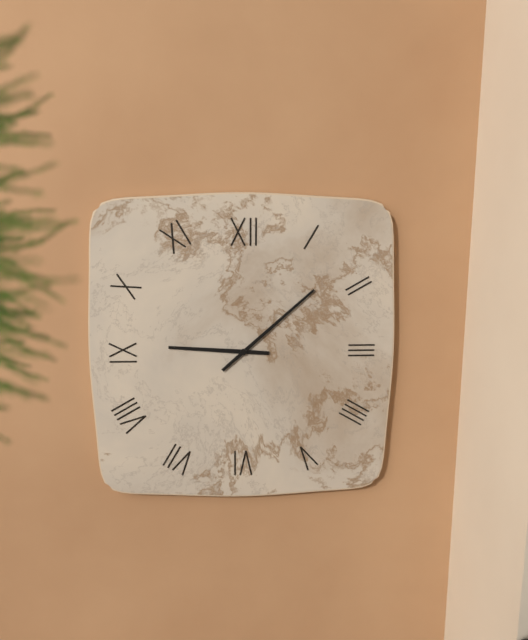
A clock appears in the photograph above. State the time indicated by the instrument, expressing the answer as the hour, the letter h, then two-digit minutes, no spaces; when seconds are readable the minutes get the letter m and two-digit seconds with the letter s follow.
9h08
